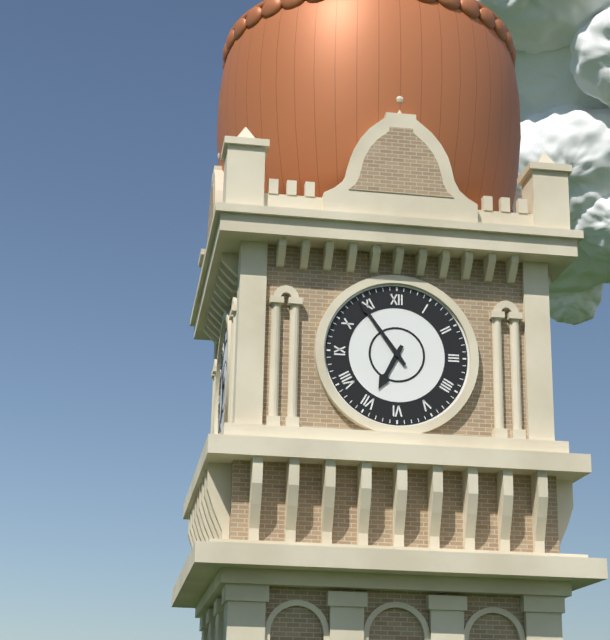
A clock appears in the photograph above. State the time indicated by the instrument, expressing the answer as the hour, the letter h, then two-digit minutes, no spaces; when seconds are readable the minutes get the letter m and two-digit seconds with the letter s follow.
6h54
